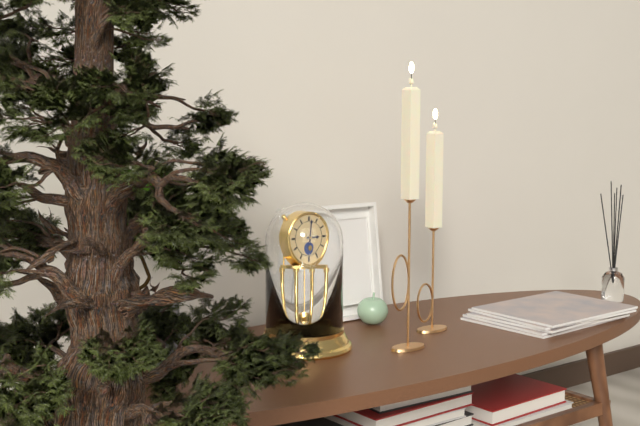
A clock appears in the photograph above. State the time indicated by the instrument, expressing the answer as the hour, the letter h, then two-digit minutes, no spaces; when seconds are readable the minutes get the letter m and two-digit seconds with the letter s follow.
3h01
